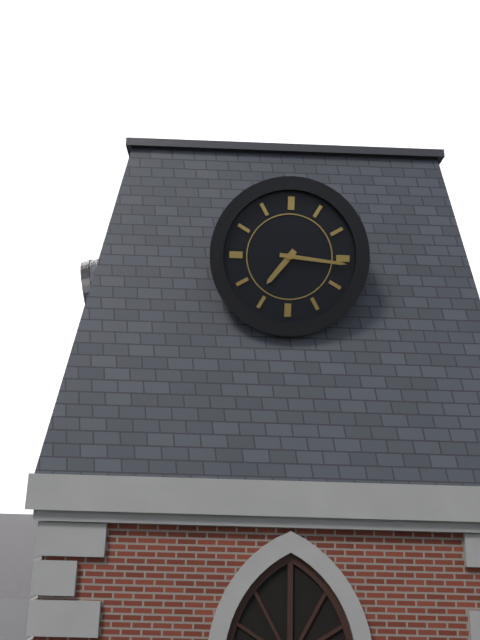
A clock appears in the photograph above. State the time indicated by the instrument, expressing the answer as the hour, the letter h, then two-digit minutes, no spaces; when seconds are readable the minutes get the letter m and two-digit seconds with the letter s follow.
7h16
